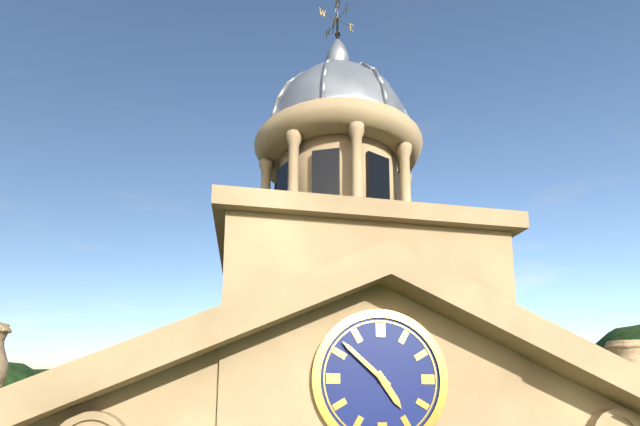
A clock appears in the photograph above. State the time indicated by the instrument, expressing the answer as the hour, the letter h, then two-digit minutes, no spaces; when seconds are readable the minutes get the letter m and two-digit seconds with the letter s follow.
4h52
